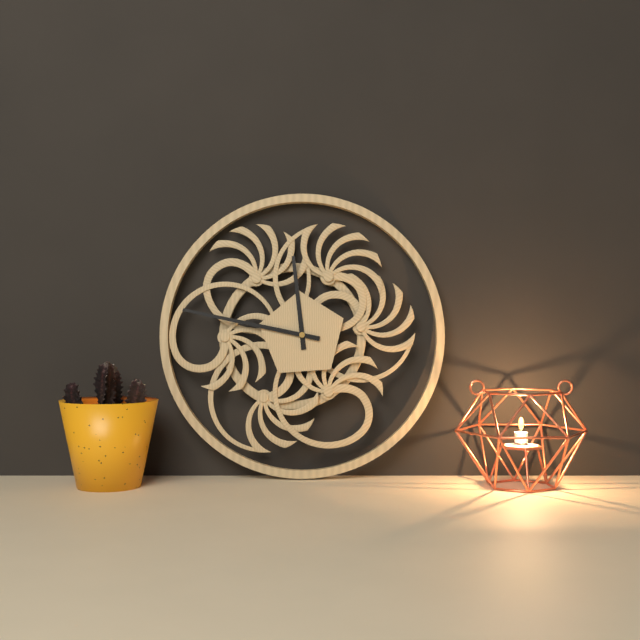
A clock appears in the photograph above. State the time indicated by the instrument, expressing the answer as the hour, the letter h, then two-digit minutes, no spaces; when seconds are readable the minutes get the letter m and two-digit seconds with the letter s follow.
11h47
